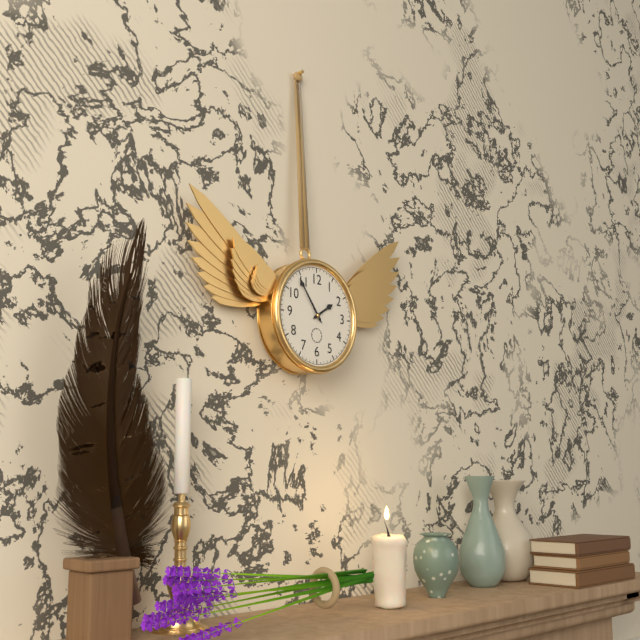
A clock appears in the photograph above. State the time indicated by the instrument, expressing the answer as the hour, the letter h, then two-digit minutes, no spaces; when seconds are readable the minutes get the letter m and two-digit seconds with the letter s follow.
1h54
